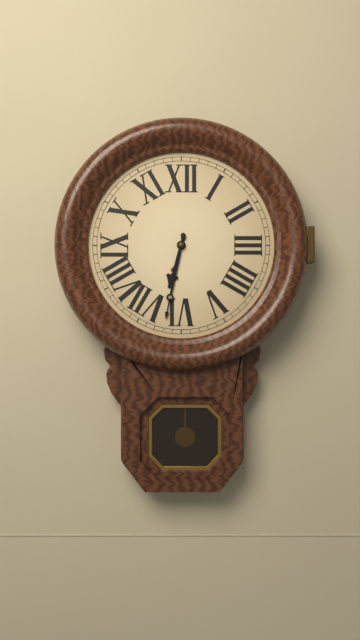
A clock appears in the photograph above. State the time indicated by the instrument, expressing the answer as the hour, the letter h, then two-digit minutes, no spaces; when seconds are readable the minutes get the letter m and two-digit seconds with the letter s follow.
6h32
